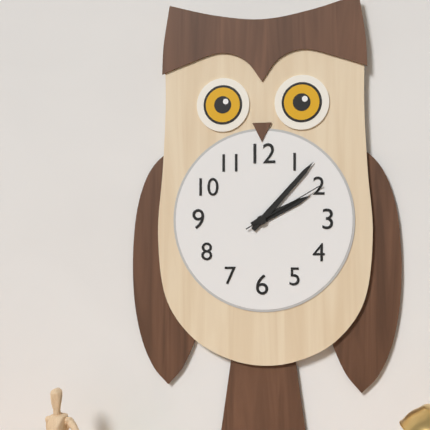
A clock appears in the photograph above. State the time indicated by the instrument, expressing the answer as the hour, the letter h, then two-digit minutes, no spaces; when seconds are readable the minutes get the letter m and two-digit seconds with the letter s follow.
2h07m10s
